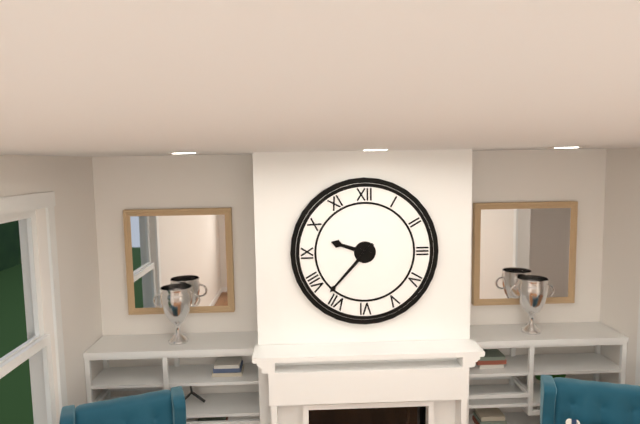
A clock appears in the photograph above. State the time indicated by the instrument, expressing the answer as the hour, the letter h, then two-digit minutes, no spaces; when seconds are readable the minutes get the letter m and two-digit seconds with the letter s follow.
9h37
